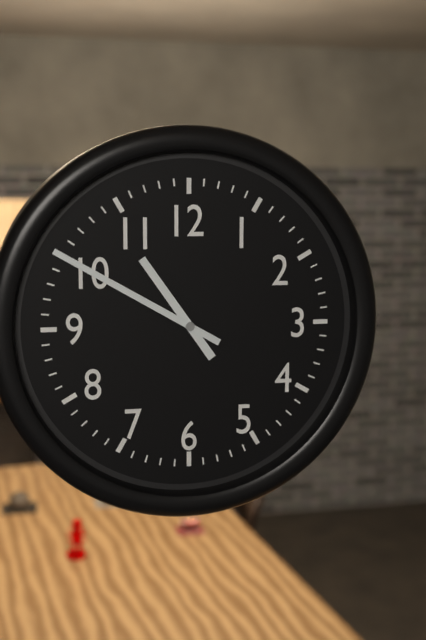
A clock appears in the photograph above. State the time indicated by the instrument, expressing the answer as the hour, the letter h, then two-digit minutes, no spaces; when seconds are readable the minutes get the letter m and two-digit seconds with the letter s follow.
10h50
